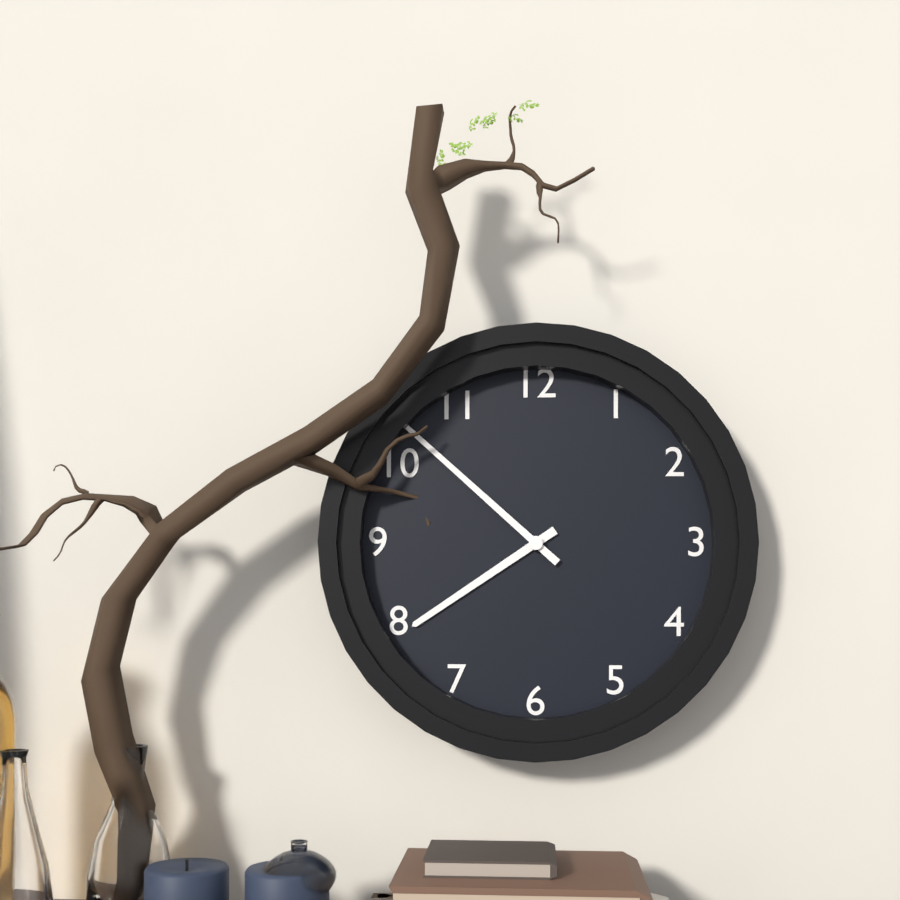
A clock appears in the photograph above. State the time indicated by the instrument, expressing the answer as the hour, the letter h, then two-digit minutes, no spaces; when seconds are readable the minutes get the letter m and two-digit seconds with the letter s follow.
7h52
